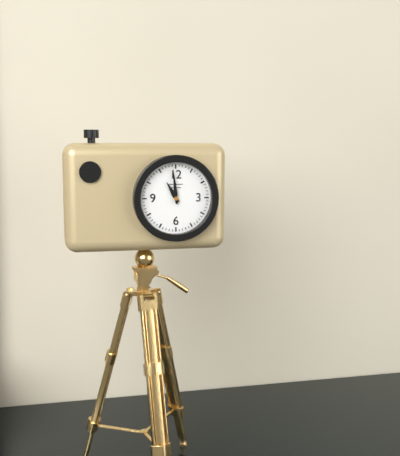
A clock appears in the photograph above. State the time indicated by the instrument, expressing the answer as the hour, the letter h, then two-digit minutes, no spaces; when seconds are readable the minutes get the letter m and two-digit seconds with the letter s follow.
10h59
